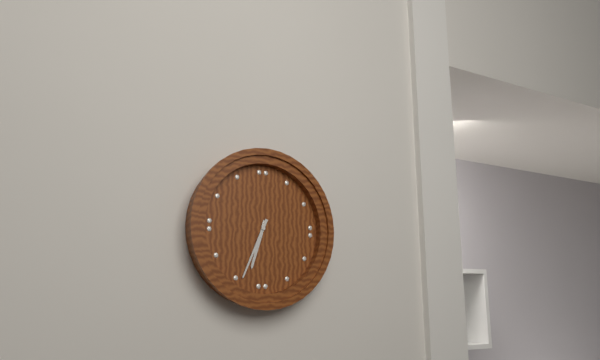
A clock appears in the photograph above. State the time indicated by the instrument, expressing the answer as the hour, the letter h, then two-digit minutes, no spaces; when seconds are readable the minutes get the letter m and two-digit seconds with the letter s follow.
6h34
